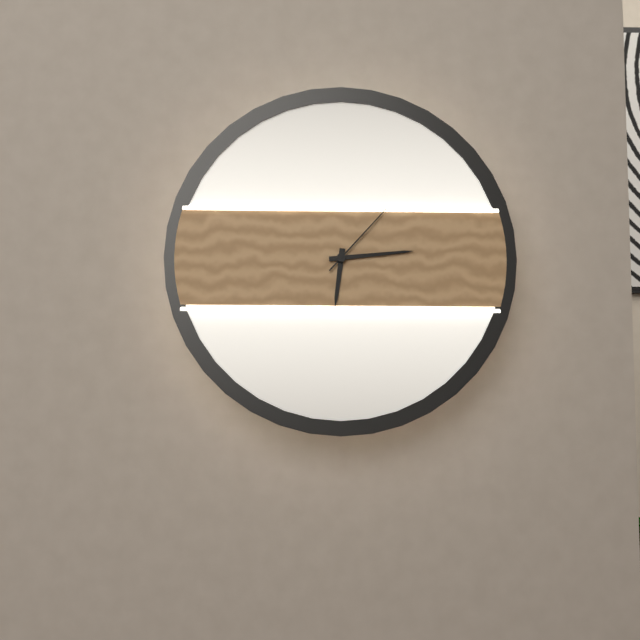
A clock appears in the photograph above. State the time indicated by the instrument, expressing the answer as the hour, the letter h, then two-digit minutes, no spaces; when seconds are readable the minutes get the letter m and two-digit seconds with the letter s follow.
6h14m07s
